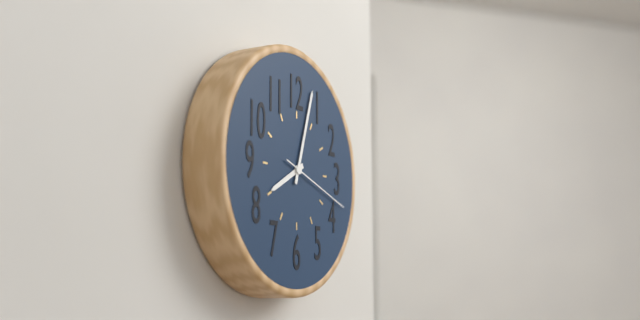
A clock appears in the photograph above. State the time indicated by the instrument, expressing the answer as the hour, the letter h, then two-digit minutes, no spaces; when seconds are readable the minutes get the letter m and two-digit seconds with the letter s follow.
8h03m18s
